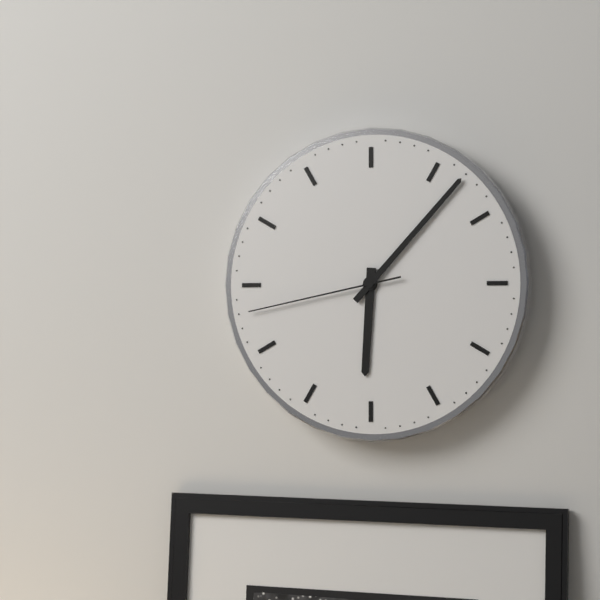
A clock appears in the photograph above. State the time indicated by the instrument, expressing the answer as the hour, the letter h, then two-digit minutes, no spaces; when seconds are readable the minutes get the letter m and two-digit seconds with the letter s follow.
6h07m43s
